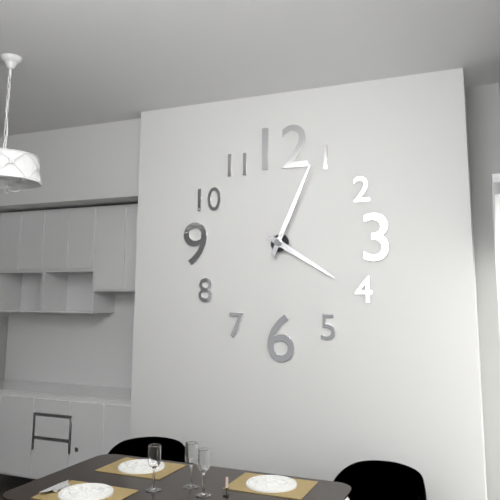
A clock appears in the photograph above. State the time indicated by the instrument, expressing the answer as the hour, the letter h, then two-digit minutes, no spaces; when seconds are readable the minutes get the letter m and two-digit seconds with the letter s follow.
4h04
